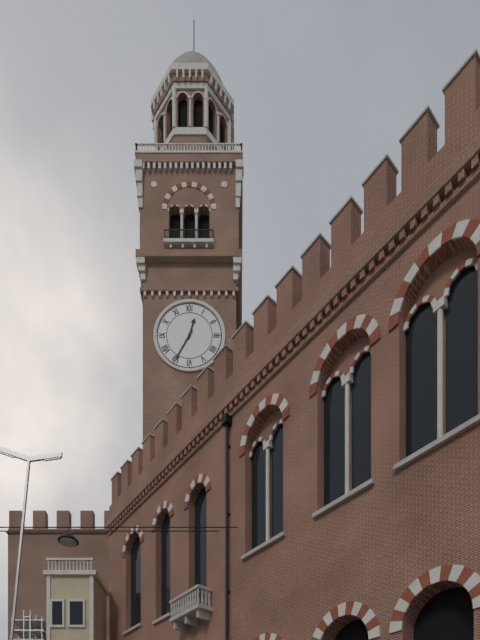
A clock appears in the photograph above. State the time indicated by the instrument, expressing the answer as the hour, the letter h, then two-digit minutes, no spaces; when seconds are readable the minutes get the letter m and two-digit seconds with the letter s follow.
12h35
